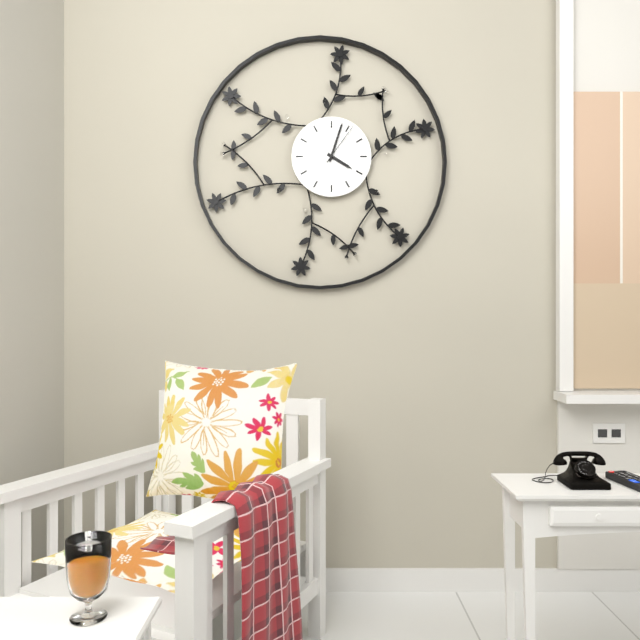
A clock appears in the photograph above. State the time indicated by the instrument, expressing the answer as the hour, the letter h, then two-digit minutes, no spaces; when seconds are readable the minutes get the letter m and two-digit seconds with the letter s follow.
4h03
